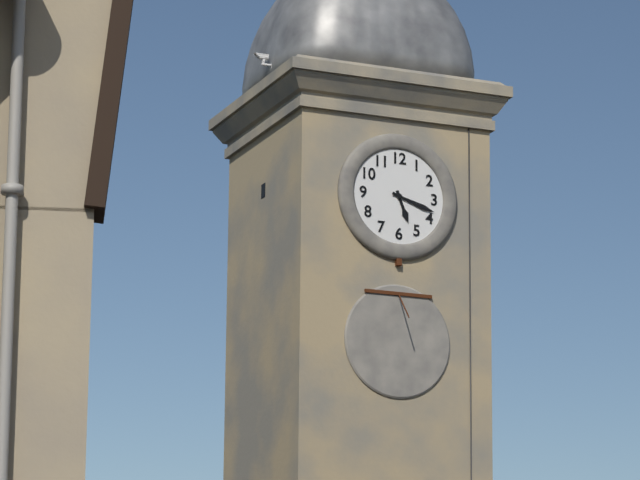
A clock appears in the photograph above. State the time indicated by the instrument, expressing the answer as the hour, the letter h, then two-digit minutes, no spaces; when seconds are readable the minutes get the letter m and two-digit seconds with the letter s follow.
5h18
